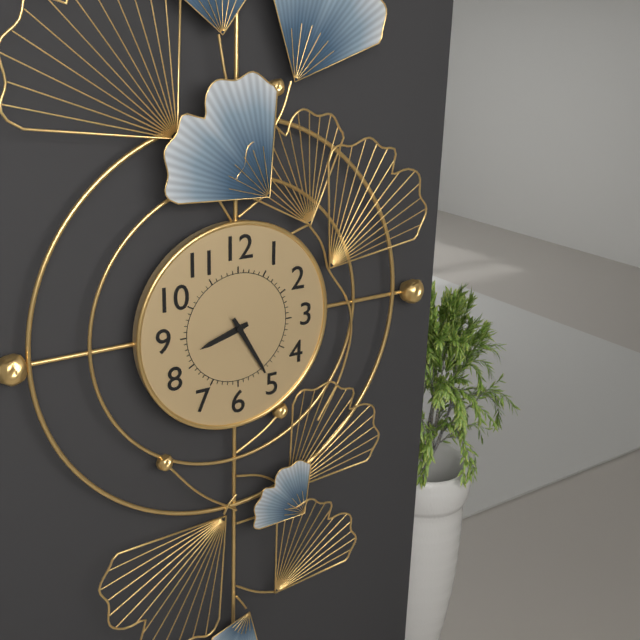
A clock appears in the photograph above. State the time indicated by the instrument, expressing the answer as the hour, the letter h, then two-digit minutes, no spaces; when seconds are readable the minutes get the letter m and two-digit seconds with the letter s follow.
8h25
